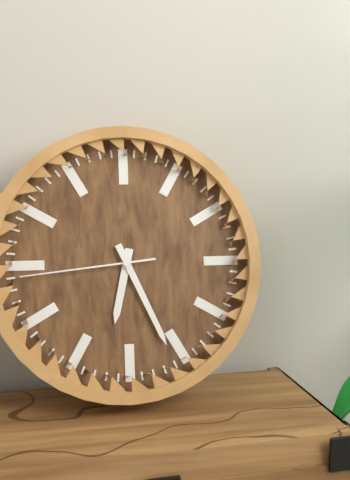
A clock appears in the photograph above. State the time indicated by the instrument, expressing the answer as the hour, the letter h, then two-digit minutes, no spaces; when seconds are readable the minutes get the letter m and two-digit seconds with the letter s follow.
6h26m44s
